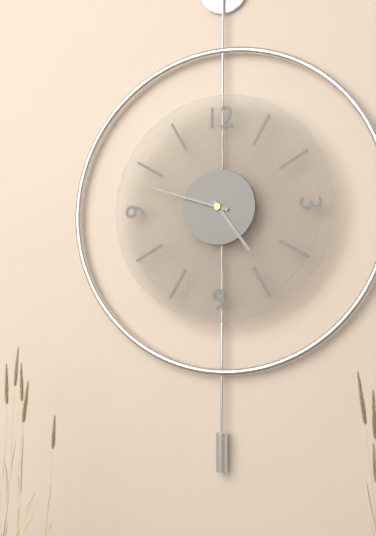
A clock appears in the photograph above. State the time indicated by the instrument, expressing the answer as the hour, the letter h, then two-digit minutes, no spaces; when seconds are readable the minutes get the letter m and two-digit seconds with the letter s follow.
4h48
